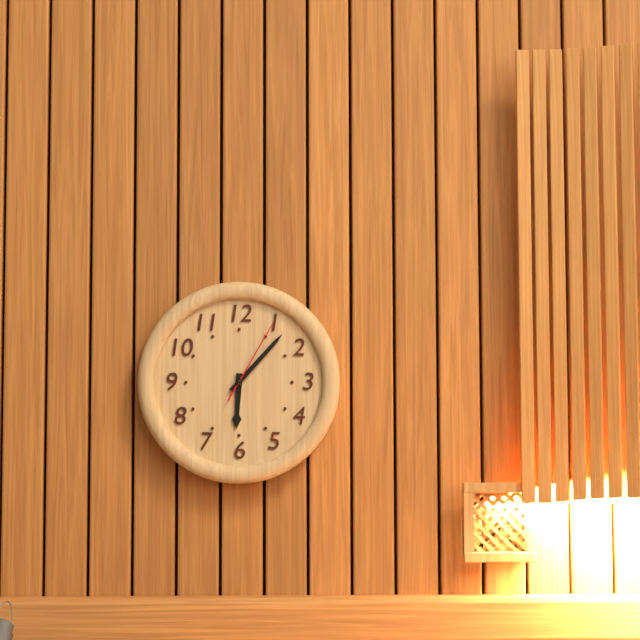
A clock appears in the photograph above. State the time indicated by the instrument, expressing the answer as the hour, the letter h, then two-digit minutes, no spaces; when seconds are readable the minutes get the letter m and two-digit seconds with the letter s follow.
6h07m05s
